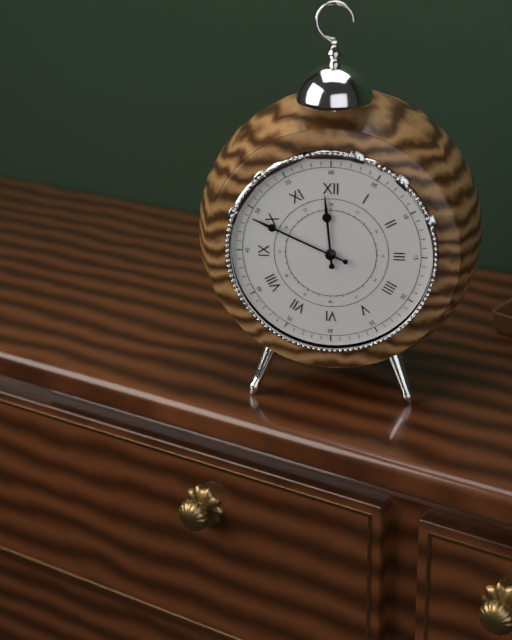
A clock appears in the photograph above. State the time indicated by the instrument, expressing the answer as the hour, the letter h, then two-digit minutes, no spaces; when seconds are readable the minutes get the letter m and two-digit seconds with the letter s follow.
11h49
